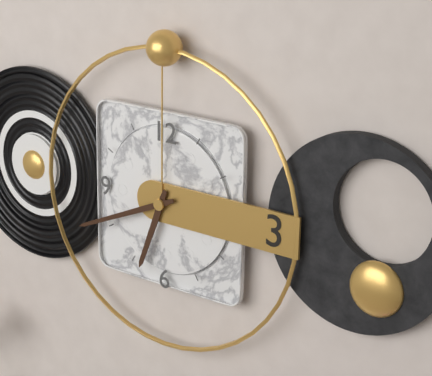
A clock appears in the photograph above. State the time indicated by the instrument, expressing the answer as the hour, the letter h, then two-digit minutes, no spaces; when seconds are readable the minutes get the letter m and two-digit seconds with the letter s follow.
6h41
